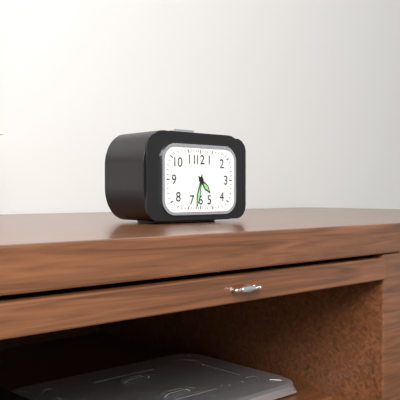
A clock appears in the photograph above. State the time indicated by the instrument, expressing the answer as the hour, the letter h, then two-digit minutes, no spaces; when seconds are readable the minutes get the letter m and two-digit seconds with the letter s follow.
4h32
